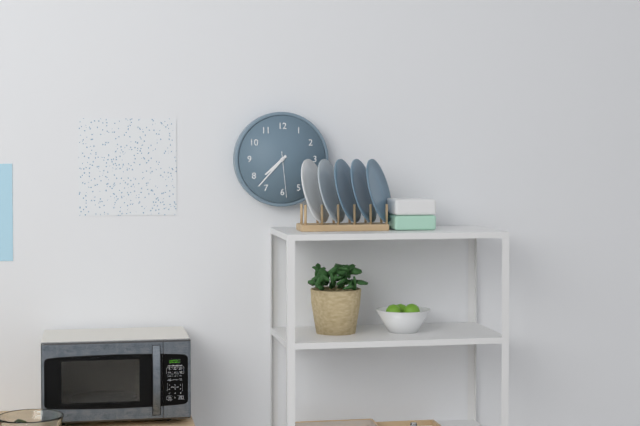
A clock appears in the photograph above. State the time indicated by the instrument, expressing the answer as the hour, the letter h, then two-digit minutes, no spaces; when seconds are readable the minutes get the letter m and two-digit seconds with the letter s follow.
7h37
